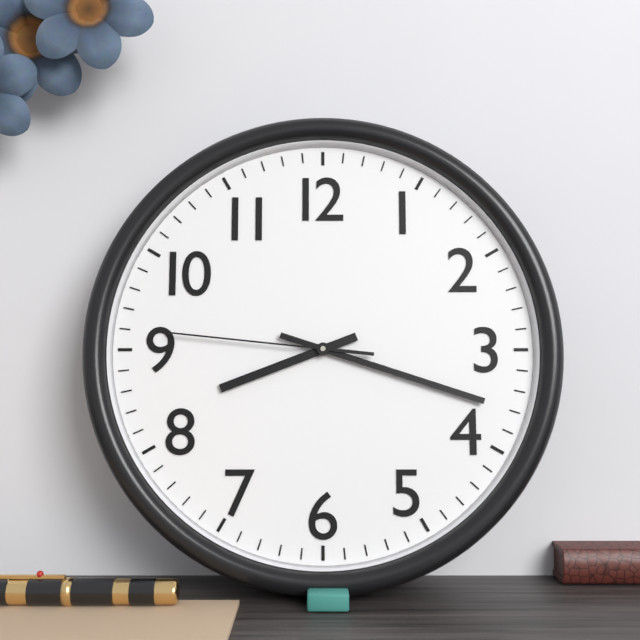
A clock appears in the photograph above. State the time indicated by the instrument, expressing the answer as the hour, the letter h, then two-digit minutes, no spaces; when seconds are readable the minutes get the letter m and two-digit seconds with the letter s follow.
8h18m46s
